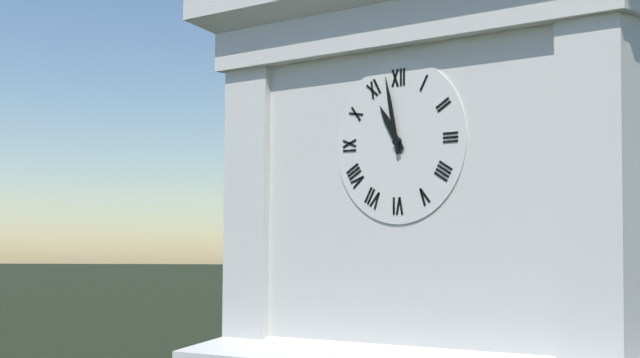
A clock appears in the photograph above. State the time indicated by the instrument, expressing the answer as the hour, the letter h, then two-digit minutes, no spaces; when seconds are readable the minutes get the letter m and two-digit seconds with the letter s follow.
10h58
